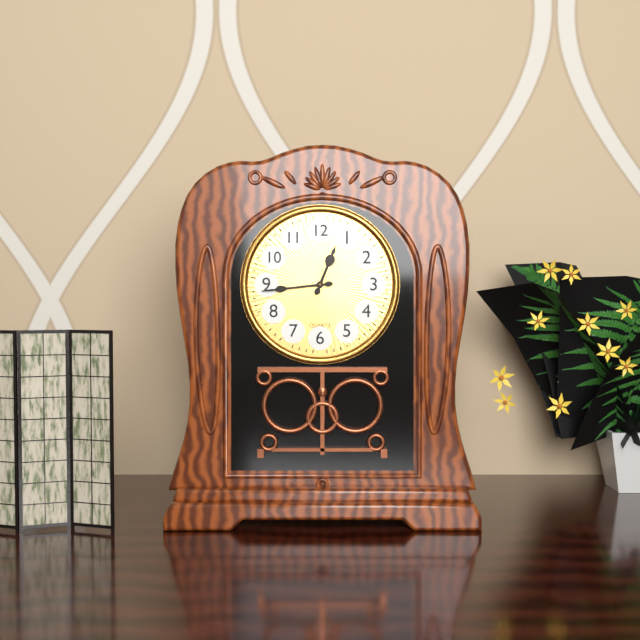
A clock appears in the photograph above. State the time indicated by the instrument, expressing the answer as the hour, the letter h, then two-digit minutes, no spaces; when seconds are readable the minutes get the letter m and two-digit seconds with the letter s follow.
12h44
